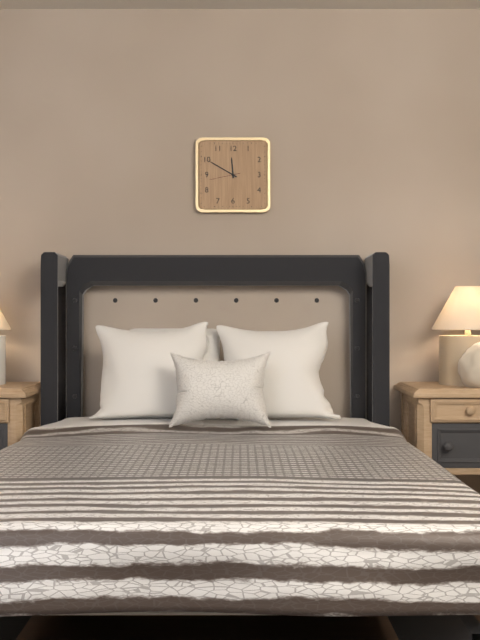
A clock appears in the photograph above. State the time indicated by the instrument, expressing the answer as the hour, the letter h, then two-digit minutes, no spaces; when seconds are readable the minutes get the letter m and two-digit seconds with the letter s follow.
11h50
